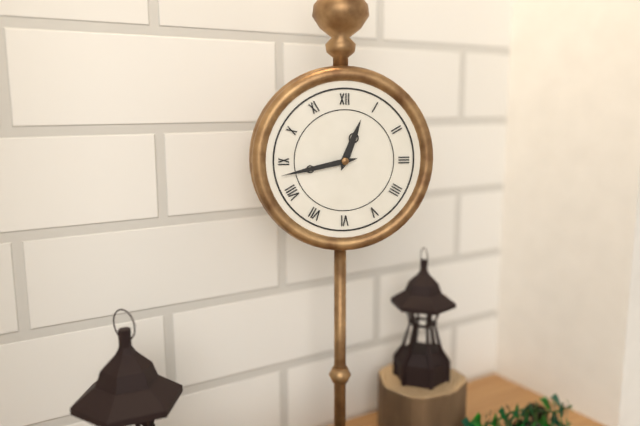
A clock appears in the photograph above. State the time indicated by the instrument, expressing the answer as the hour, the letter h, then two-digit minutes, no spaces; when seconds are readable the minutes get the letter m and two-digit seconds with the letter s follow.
12h43
